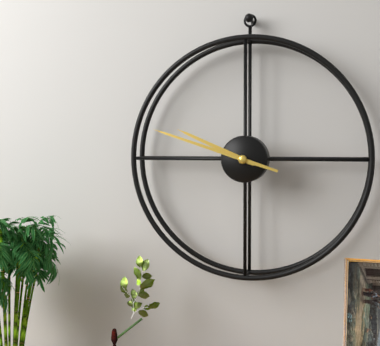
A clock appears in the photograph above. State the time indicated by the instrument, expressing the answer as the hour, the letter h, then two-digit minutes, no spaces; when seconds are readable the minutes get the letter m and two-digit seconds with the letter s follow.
9h48
